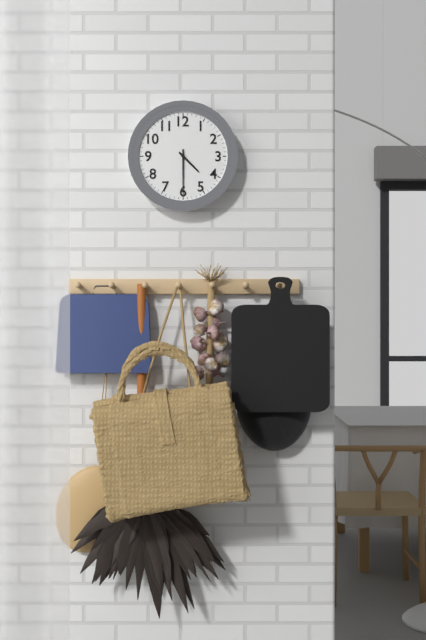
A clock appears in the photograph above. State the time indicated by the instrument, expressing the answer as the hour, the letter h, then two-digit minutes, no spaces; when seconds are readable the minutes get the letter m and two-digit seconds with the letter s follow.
4h30
